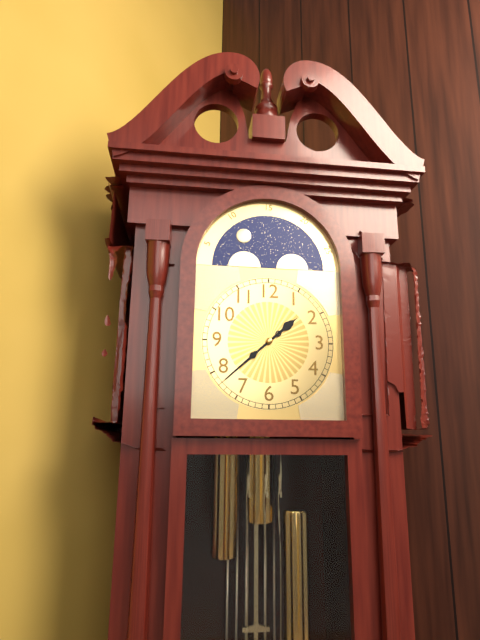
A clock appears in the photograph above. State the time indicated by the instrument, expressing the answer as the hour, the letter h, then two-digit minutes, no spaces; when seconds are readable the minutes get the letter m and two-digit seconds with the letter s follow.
1h38
